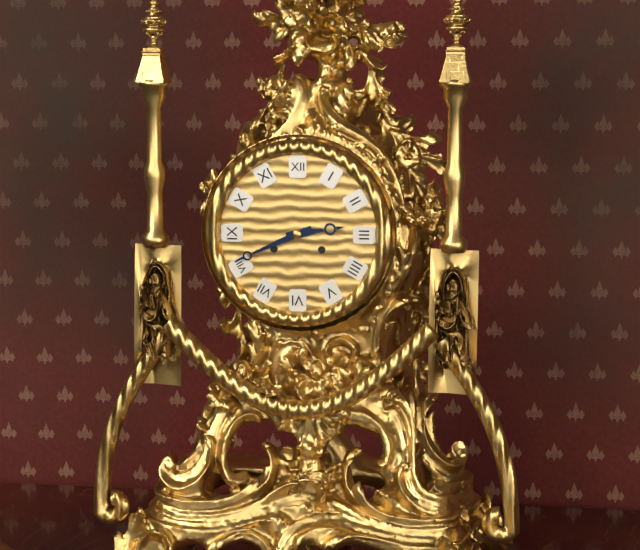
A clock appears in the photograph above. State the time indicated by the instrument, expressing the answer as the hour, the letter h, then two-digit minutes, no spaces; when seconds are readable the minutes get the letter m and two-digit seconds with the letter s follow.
2h41
